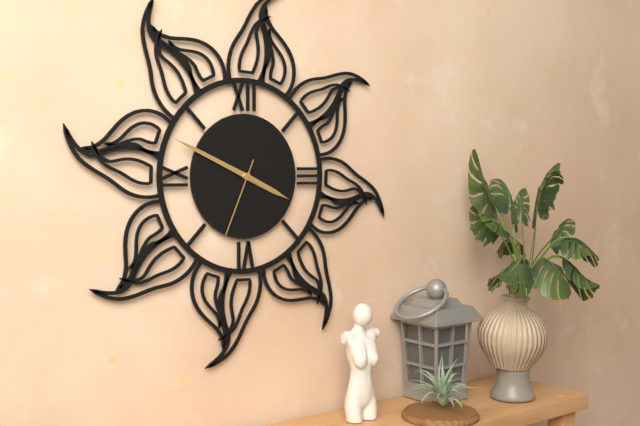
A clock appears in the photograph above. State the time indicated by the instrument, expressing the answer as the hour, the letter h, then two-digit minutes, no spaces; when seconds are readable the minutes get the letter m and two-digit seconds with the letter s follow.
3h49m34s
